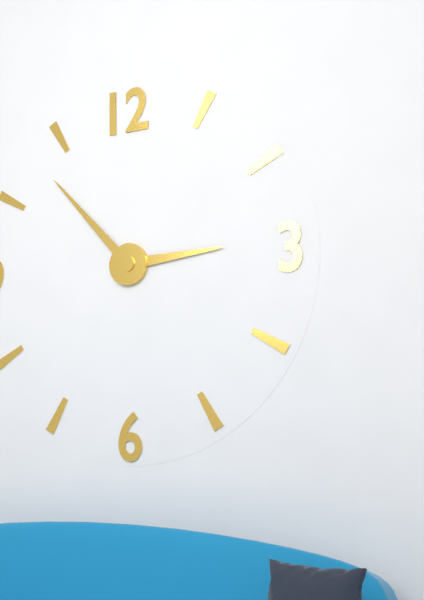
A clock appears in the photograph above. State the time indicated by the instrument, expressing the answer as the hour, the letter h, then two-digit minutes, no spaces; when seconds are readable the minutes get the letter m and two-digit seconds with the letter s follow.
2h53
